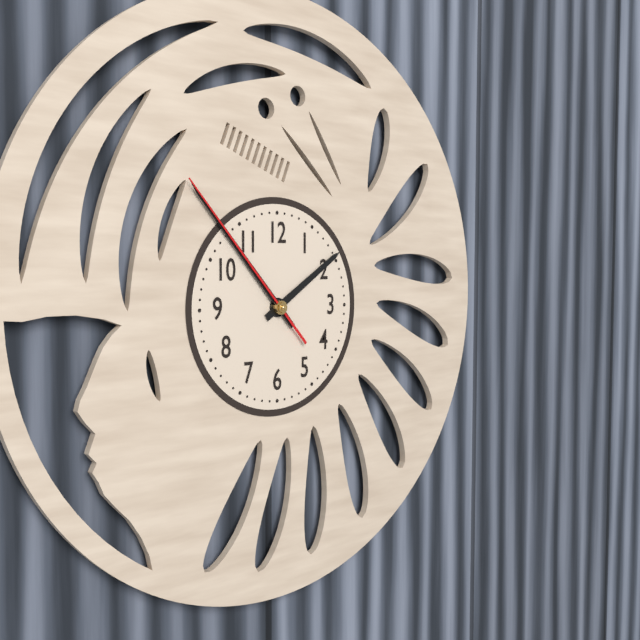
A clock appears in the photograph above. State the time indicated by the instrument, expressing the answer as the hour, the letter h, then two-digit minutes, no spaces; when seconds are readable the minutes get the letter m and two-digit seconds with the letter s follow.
1h53m53s
